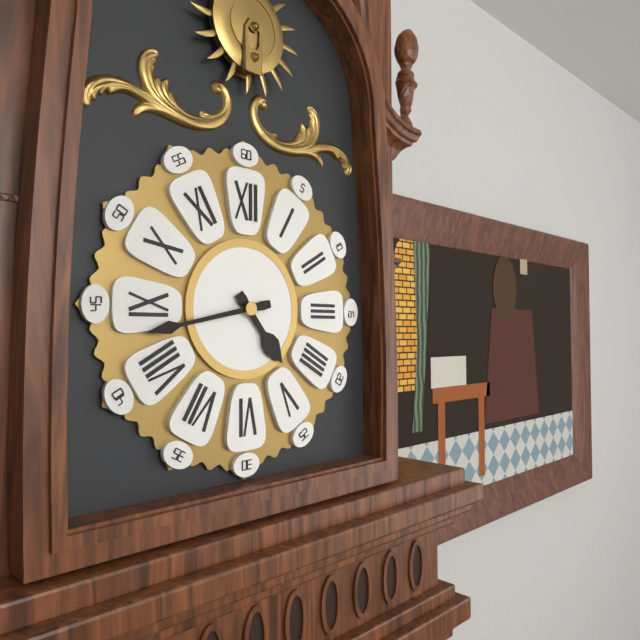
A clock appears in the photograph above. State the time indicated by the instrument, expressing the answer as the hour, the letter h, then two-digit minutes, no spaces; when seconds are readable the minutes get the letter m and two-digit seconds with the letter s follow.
4h43
